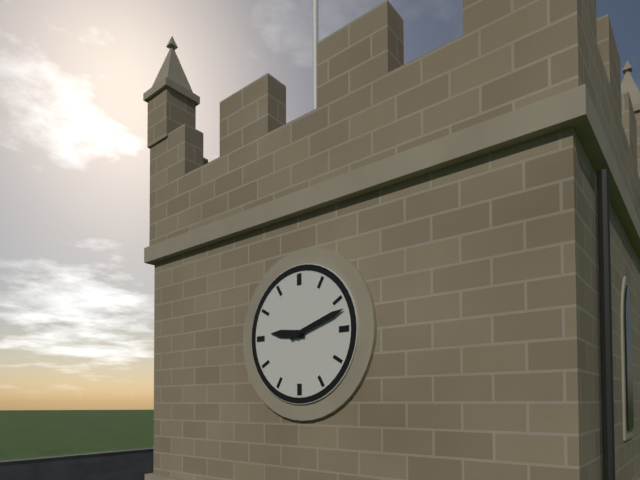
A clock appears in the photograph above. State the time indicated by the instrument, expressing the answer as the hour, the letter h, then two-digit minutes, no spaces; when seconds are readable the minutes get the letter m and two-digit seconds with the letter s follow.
9h12
